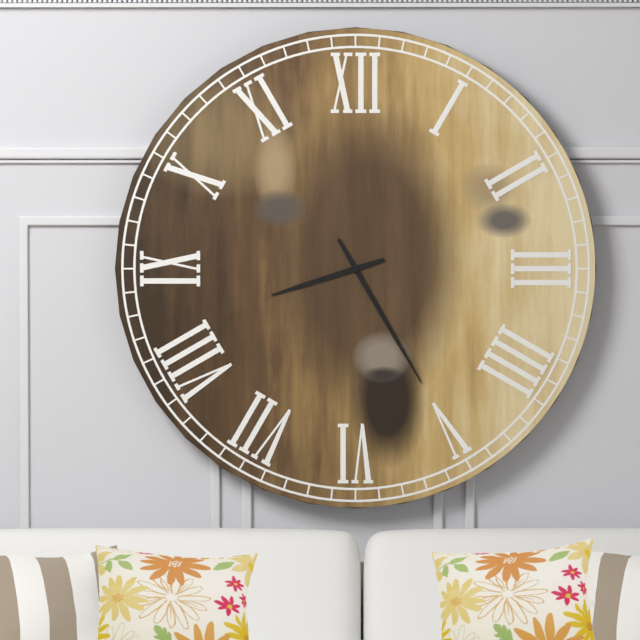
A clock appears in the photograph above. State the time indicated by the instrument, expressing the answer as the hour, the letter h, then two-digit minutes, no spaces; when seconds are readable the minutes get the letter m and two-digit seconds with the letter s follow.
8h25
